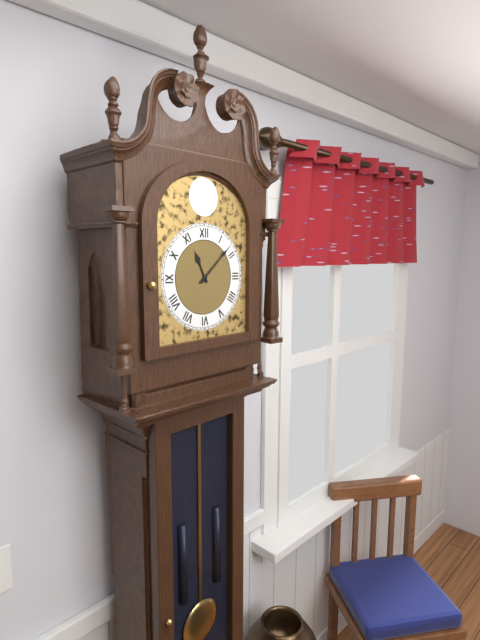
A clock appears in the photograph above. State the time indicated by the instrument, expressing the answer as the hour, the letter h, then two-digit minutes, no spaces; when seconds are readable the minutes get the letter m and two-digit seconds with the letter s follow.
11h08
